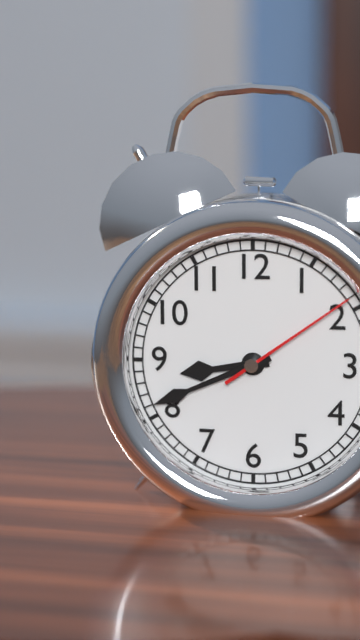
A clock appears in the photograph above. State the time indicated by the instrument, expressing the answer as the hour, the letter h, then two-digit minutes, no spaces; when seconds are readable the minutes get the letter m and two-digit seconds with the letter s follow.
8h41m09s
